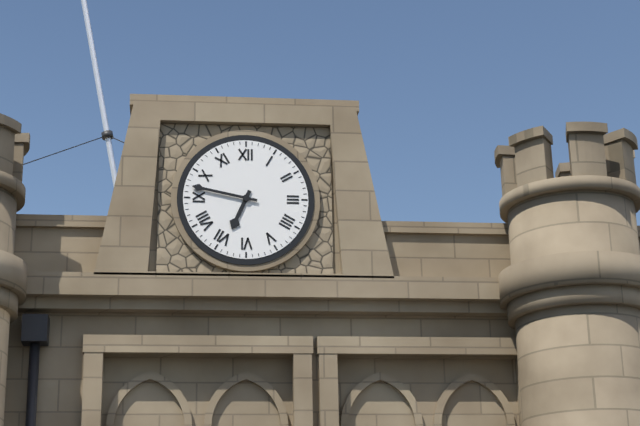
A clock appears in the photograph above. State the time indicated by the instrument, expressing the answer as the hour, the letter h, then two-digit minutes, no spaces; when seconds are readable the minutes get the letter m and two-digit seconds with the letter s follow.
6h47
